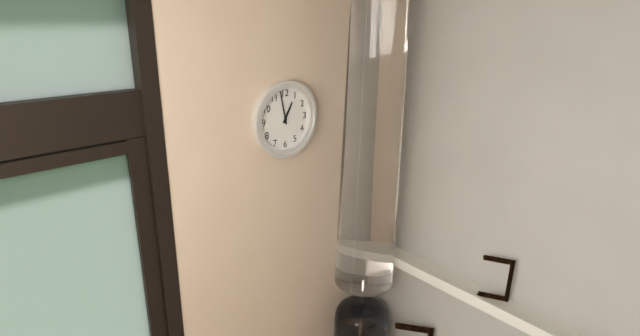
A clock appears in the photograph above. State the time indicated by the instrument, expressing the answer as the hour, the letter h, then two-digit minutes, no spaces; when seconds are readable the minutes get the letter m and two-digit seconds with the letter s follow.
12h58
